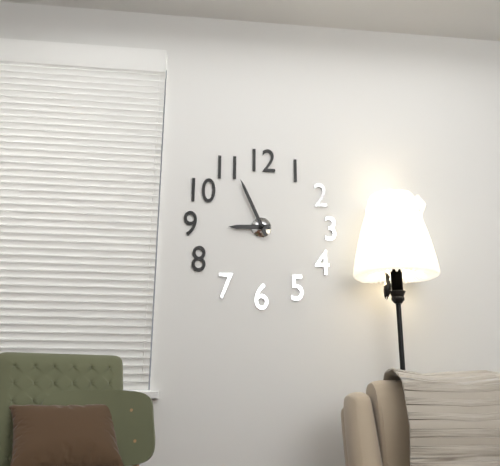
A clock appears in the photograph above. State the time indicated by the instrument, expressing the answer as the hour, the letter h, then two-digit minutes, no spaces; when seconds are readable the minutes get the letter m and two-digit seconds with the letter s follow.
8h56
